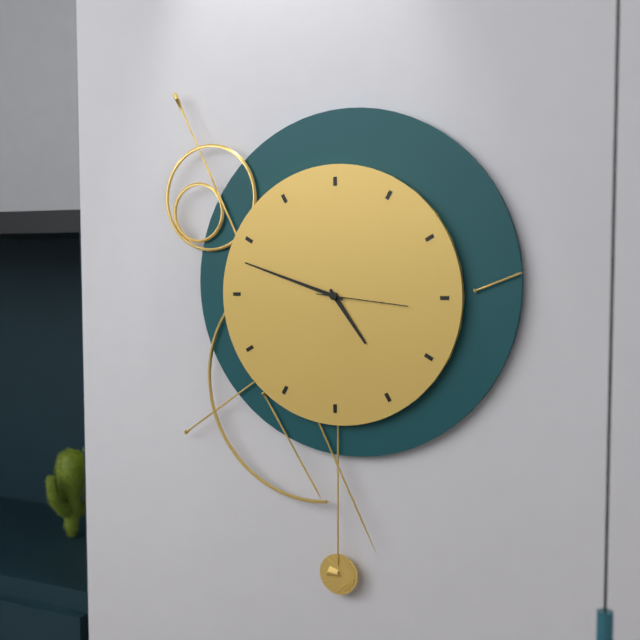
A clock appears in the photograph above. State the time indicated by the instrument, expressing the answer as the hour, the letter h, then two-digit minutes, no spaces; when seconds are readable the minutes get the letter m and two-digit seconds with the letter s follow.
4h48m16s
